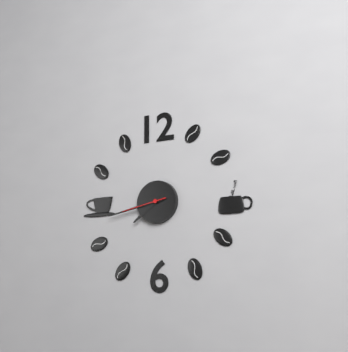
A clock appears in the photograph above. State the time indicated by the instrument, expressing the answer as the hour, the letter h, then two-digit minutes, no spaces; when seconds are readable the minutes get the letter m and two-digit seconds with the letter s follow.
7h43
